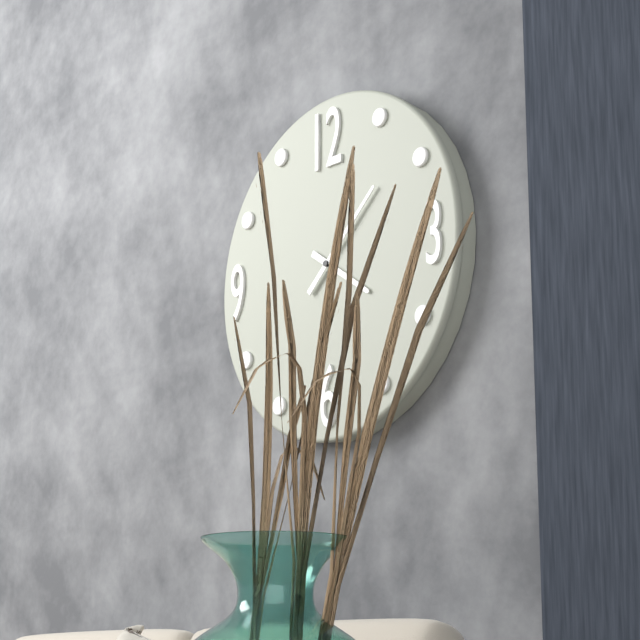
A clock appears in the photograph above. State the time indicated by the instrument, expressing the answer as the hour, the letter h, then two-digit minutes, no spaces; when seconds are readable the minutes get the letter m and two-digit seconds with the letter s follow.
4h08
